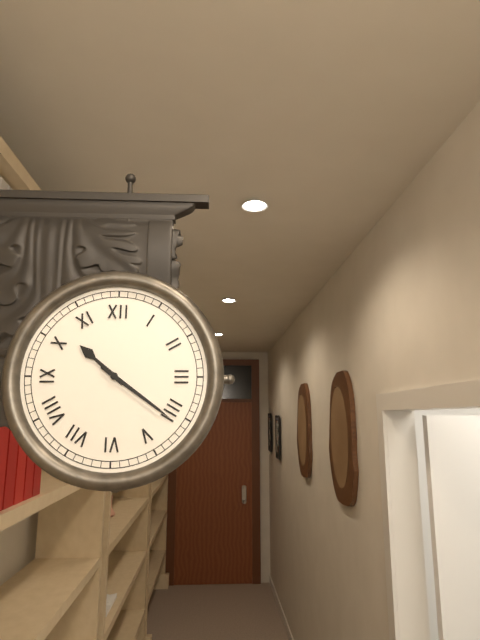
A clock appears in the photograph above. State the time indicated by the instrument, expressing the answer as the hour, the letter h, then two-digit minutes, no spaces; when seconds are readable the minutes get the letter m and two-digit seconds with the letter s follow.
10h21
